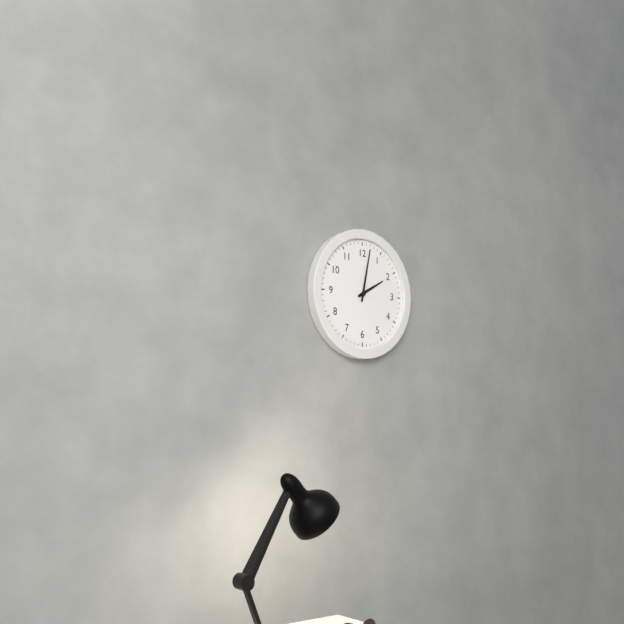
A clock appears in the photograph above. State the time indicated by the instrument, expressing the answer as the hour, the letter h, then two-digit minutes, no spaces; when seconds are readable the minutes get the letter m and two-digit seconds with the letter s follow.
2h02
